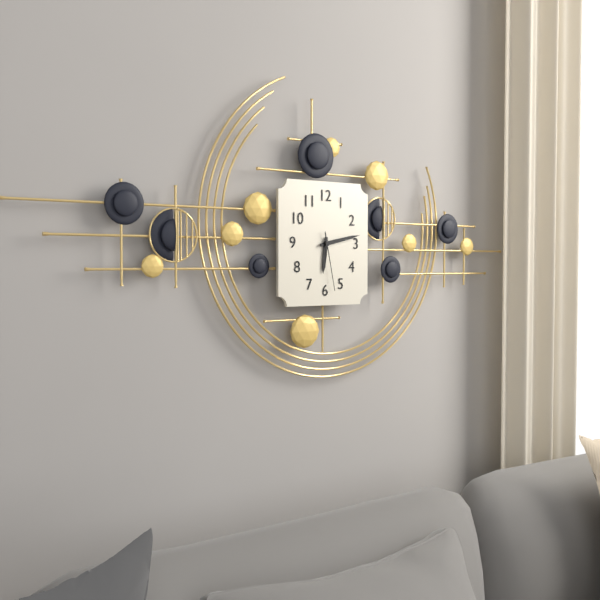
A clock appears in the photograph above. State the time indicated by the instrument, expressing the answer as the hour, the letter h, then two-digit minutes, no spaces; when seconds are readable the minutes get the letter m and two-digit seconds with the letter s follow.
6h13m28s
